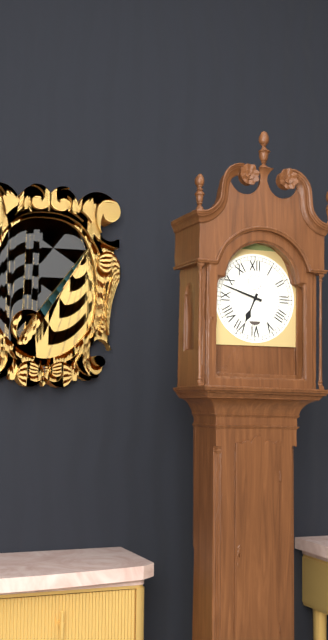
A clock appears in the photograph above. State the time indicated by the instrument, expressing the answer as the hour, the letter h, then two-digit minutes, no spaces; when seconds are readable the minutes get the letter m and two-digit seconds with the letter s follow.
6h48
